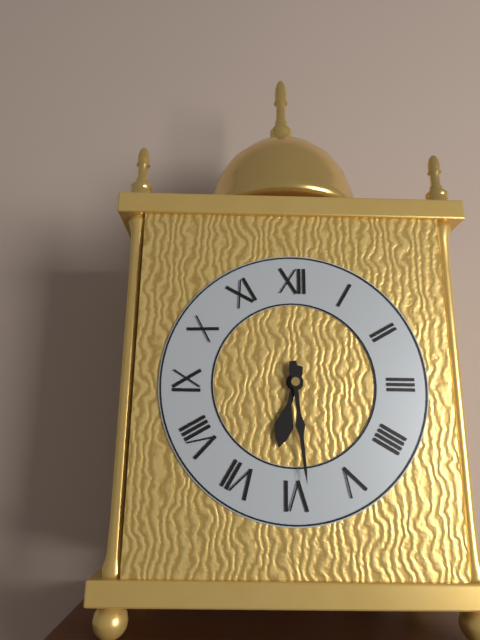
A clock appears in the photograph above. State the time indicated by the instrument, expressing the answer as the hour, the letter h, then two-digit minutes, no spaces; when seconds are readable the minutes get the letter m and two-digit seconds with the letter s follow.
6h29
